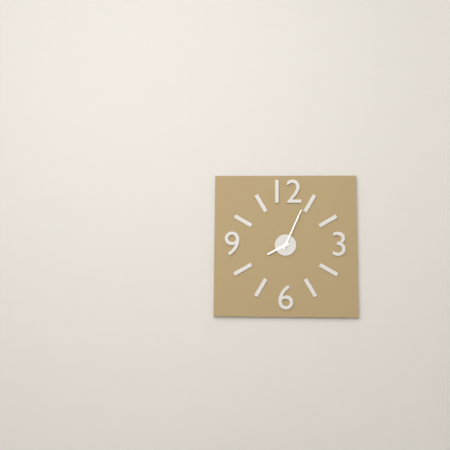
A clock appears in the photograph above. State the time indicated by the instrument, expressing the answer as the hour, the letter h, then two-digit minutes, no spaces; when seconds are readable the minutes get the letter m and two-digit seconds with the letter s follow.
8h04
